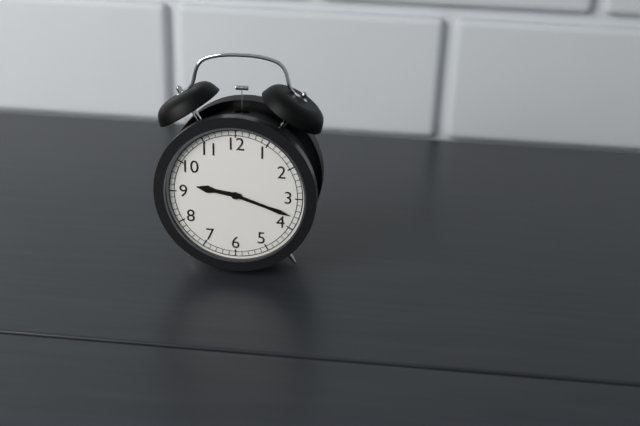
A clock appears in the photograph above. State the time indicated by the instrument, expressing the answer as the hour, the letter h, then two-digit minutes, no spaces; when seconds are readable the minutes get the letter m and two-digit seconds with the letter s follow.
9h18
